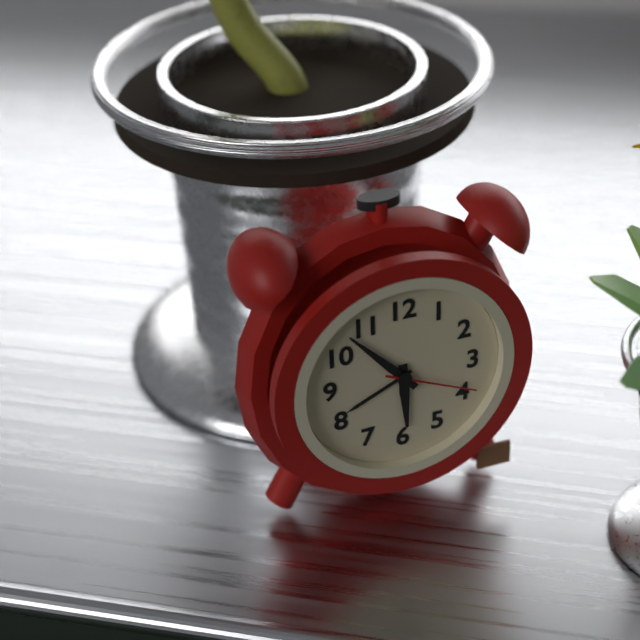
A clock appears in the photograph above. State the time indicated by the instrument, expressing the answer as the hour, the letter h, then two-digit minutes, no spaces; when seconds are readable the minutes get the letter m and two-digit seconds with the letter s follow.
5h53m19s
